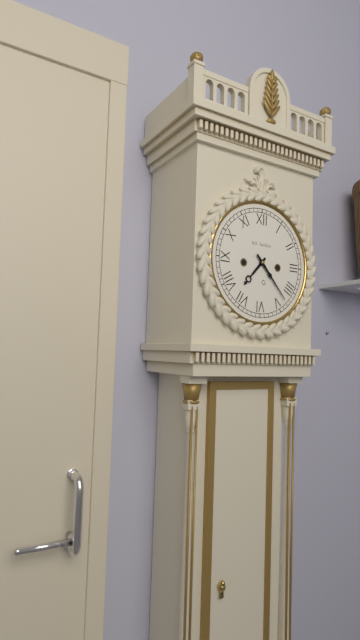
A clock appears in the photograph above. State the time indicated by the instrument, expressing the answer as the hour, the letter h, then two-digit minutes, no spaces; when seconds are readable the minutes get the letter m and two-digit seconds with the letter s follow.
7h23
